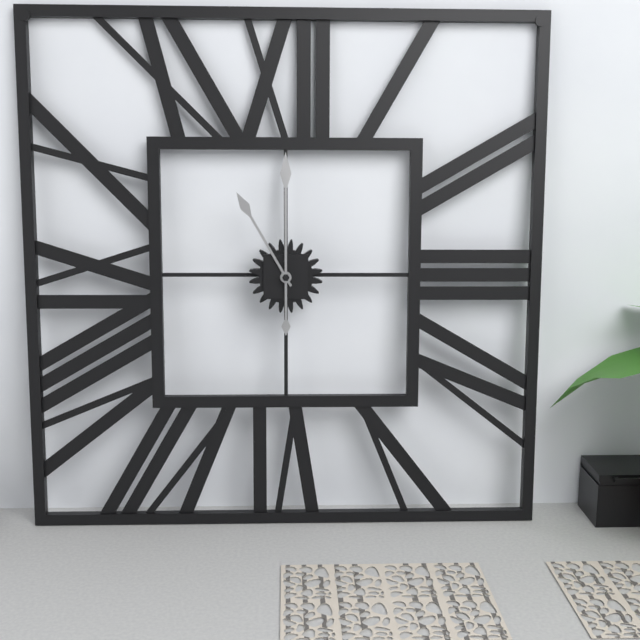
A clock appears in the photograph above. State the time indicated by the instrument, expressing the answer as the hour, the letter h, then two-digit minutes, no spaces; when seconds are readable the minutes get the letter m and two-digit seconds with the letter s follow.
11h00
